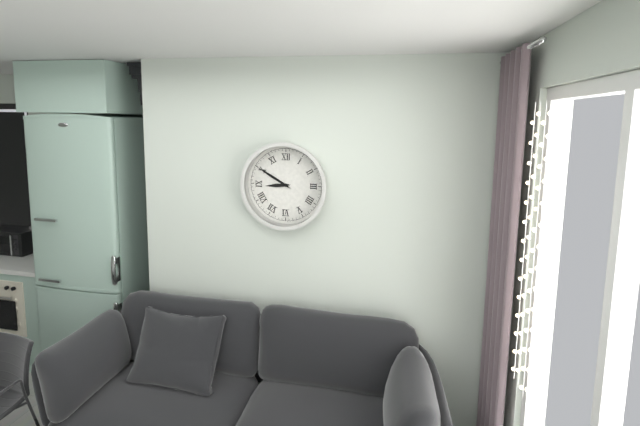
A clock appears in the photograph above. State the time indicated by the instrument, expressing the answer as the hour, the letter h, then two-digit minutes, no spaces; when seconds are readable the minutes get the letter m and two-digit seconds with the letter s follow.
8h50
